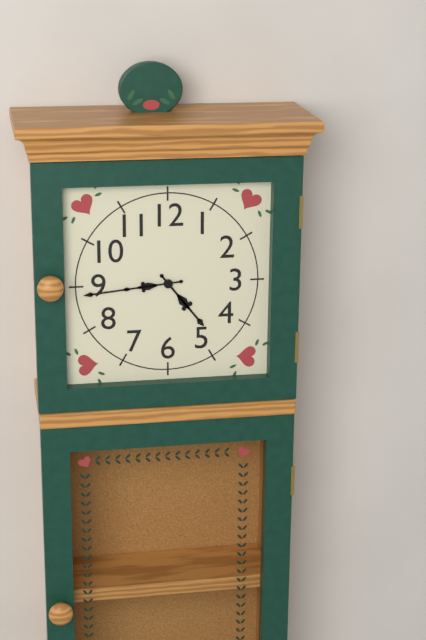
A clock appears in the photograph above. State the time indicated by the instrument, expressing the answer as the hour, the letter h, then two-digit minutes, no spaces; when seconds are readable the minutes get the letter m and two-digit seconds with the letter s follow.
4h44
